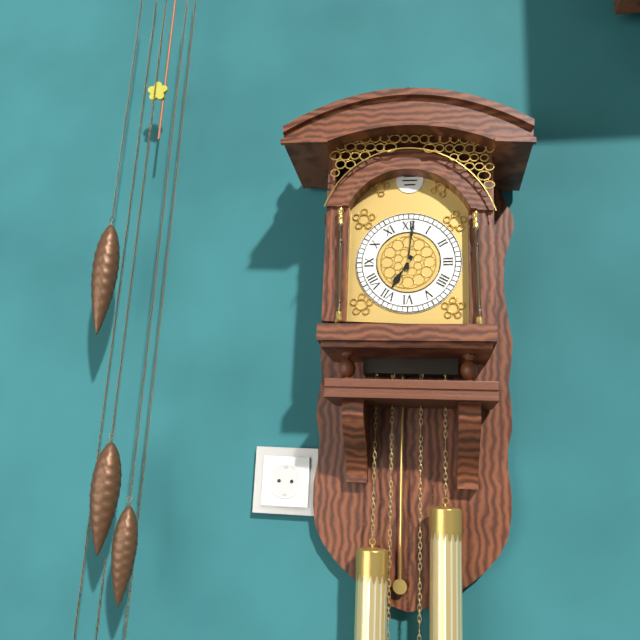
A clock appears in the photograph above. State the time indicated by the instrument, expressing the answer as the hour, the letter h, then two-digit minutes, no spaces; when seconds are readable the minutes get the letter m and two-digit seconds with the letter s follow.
7h01
